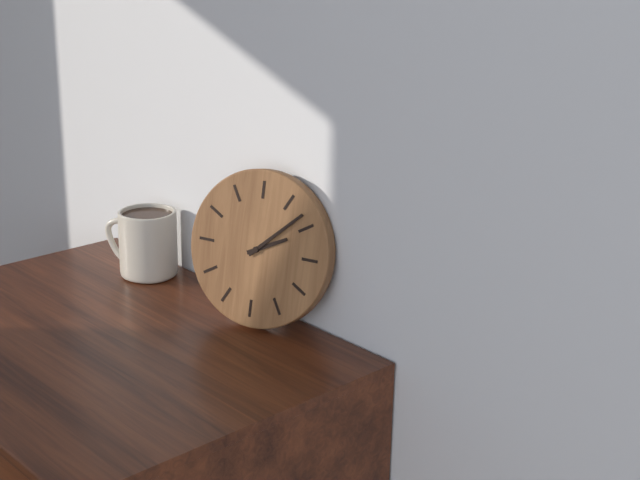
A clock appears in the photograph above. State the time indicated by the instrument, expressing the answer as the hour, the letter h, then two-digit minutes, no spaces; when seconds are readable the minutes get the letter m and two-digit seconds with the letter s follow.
2h08
